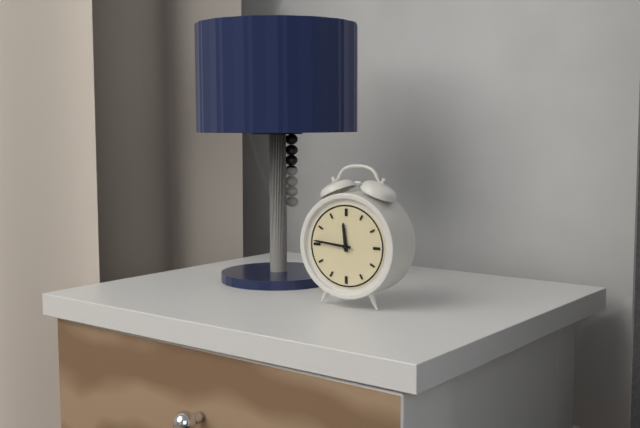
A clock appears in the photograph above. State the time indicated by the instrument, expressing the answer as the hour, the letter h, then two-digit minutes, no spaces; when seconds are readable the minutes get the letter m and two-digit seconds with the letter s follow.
11h46
